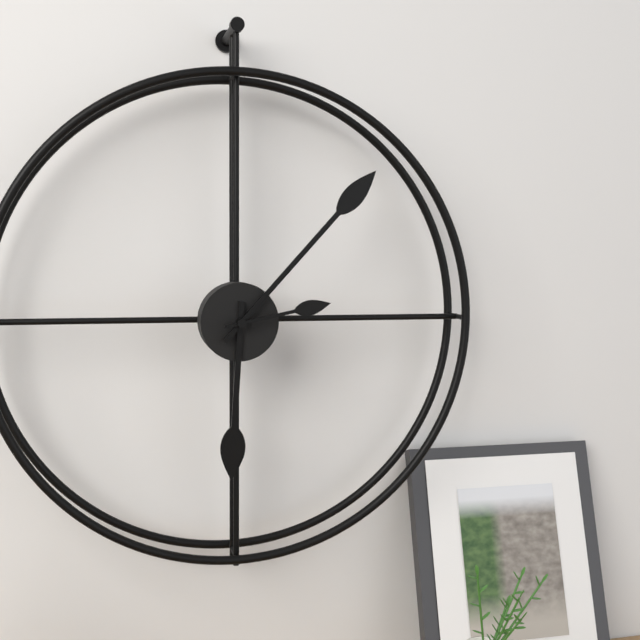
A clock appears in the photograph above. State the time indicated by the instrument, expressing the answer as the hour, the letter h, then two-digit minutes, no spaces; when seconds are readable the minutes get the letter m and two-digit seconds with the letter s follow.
6h07m13s
